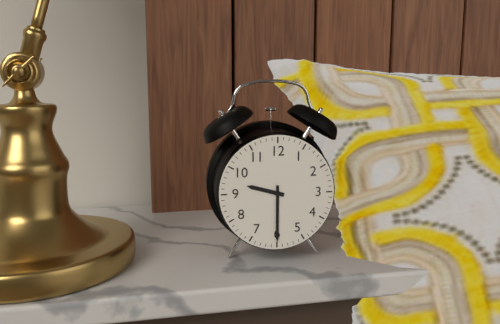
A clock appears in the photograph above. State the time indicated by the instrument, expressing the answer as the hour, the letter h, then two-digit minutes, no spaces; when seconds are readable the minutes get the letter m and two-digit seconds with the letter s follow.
9h30
